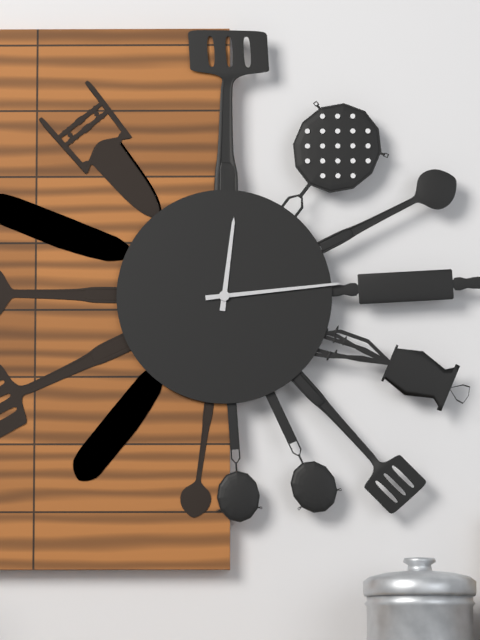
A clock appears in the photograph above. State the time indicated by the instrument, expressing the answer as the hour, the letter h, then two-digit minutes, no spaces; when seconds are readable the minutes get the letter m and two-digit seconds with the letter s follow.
12h14
